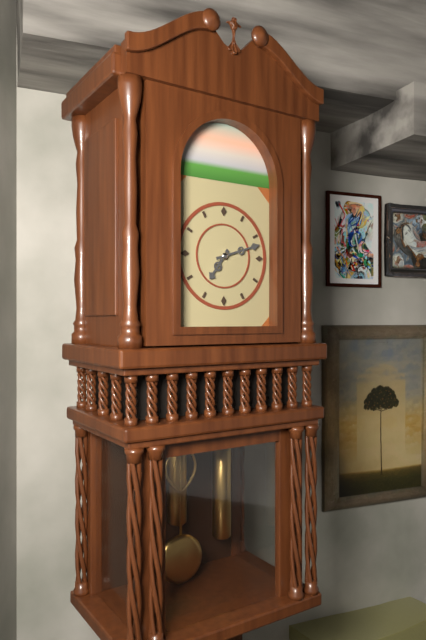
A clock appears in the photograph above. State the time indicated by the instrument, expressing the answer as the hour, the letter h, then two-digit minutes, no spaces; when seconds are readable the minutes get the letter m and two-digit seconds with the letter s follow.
7h12
